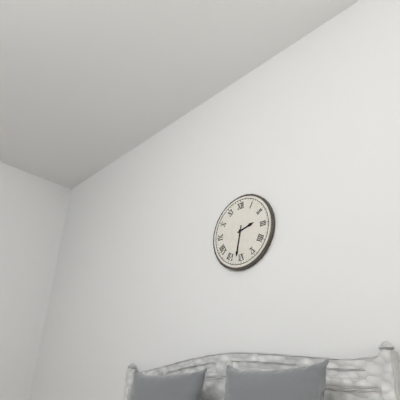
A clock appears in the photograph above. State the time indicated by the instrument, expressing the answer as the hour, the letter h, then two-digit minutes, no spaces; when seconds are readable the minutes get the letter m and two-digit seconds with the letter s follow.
2h32
